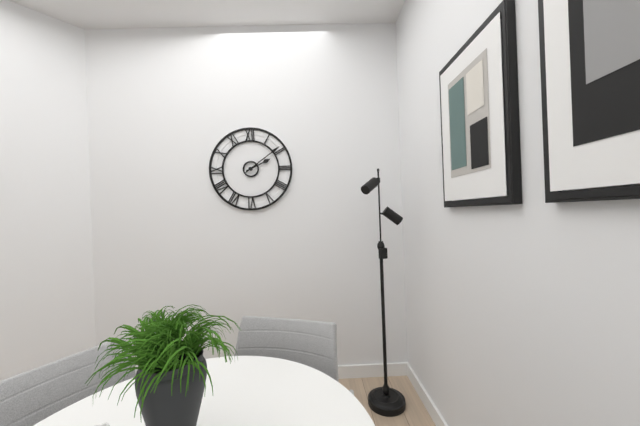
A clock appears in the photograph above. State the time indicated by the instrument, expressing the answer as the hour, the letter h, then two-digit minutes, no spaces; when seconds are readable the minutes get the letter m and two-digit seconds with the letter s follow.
2h09
